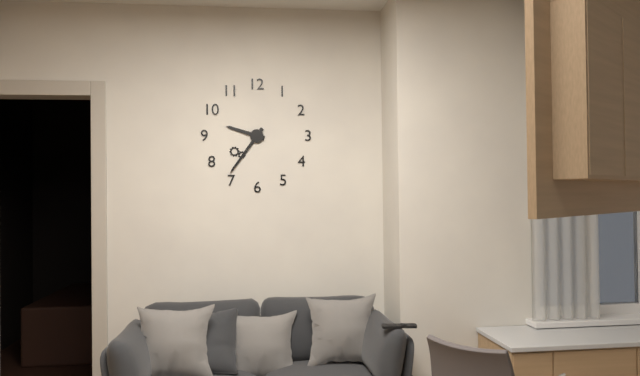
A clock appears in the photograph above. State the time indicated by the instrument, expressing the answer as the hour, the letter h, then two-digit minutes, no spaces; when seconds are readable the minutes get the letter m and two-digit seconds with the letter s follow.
9h36
